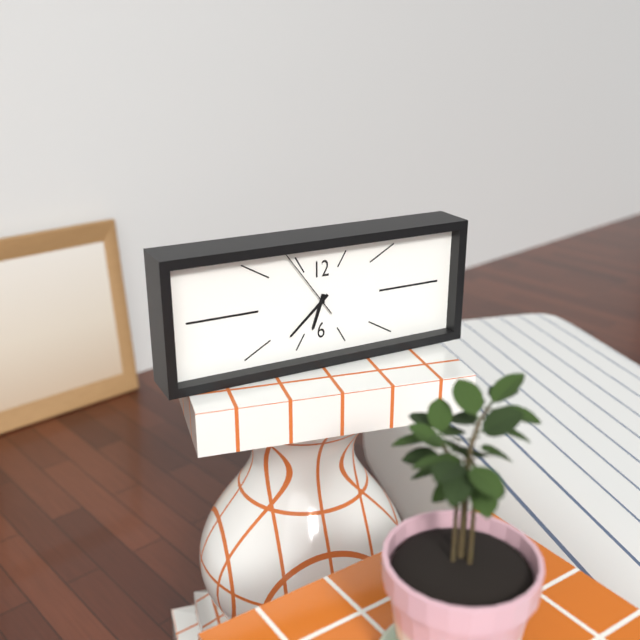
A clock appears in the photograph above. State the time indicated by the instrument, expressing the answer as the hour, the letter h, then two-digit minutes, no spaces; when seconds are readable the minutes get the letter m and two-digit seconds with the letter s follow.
6h38m54s
